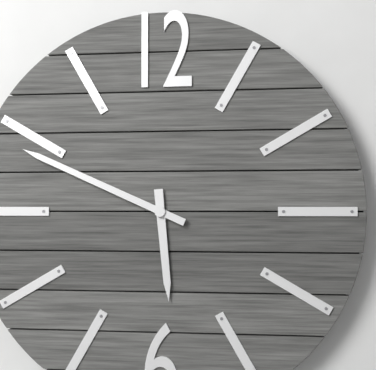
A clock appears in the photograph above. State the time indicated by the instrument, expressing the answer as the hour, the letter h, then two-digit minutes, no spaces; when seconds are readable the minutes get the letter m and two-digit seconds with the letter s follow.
5h49
